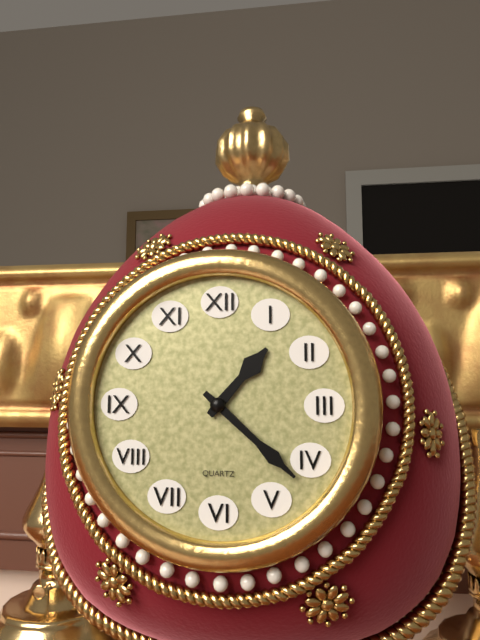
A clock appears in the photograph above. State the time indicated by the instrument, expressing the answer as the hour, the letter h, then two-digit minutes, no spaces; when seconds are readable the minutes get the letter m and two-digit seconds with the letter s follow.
1h22
